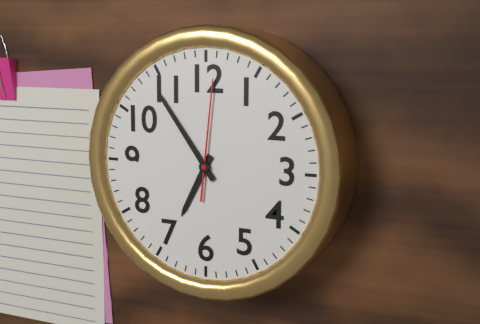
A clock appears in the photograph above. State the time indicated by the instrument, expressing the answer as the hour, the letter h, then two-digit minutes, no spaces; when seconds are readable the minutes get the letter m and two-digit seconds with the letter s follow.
6h54m01s
